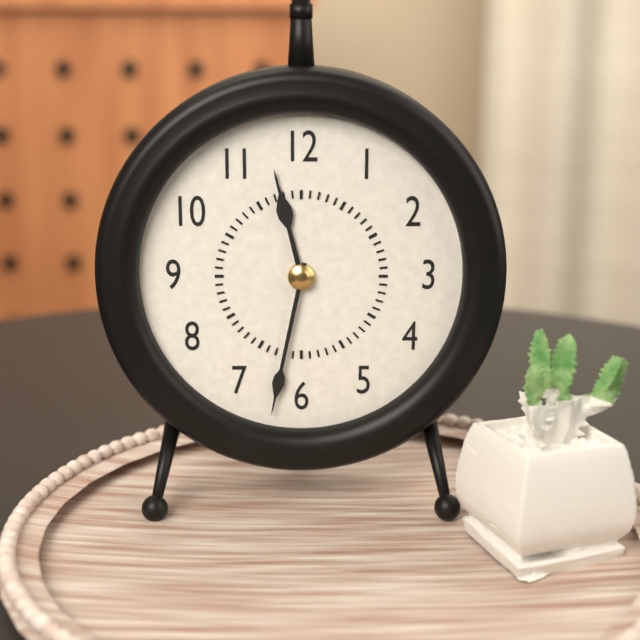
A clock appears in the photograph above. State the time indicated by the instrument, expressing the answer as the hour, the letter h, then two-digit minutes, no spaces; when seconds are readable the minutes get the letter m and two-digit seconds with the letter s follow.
11h32
